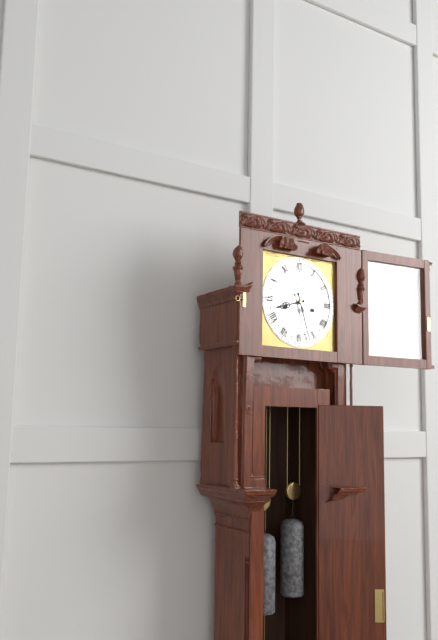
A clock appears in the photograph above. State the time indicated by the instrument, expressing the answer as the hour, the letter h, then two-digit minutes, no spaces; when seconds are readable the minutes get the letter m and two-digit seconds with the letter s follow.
8h27
